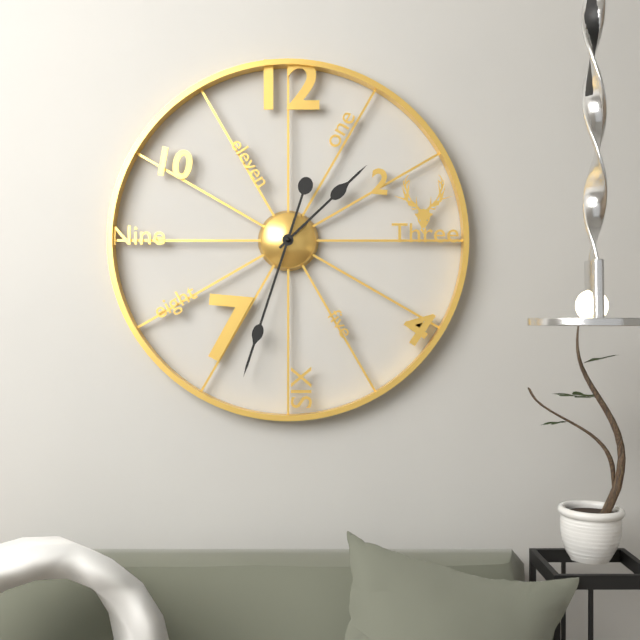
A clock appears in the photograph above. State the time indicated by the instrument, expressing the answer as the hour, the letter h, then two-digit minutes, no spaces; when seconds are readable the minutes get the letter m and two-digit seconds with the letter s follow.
1h33
